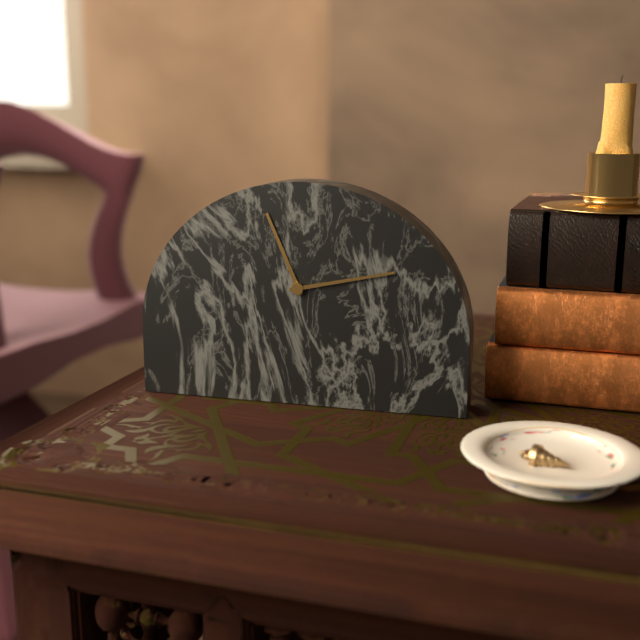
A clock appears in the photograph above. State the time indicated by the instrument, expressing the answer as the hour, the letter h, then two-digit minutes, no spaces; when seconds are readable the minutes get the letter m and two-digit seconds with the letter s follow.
11h13
